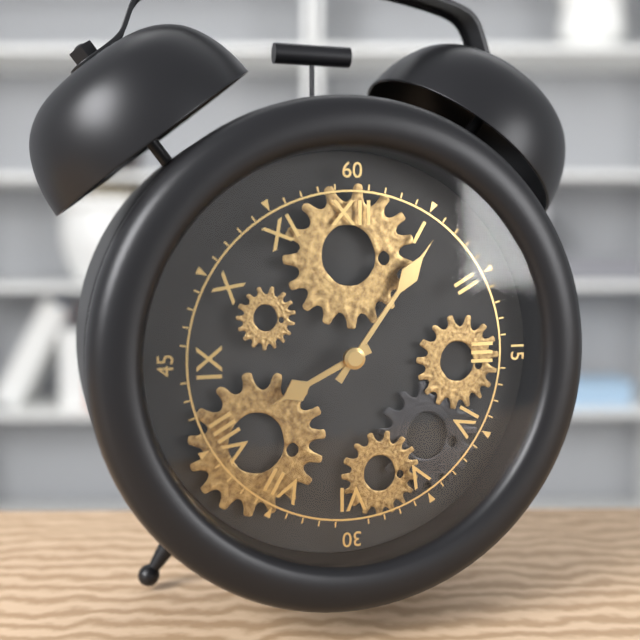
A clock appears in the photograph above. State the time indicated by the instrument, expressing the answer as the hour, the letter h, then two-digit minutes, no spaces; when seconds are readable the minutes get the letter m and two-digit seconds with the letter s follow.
8h06
